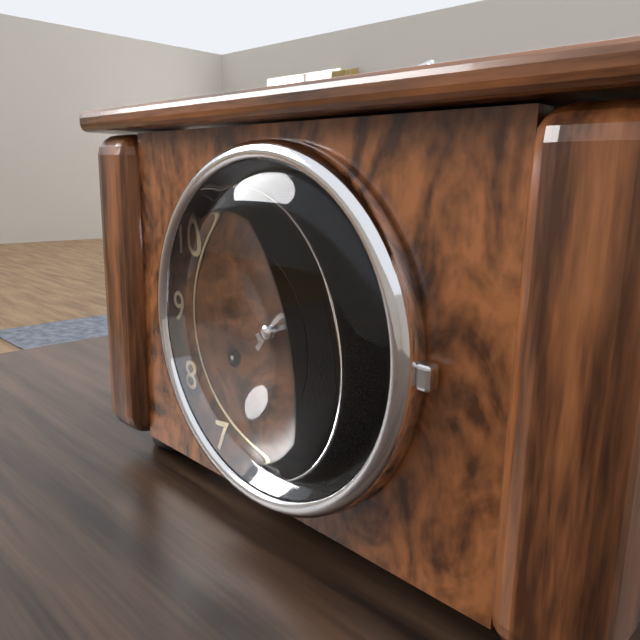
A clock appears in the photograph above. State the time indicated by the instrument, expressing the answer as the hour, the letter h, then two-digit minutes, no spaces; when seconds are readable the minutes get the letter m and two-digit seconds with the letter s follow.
2h06
